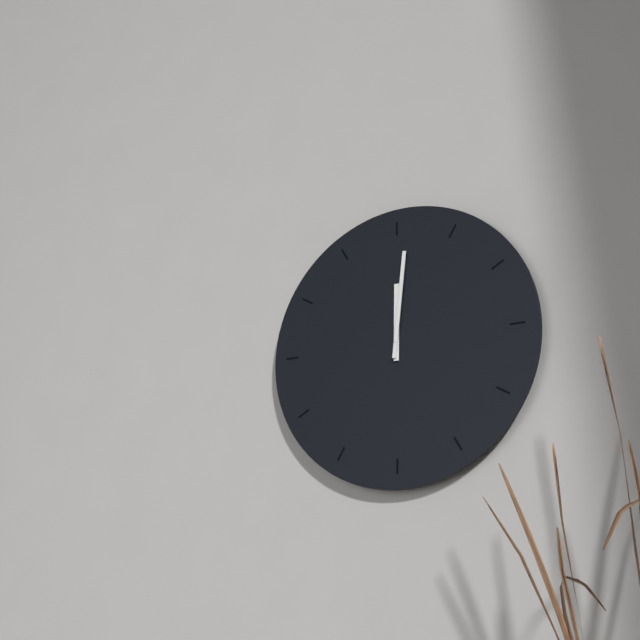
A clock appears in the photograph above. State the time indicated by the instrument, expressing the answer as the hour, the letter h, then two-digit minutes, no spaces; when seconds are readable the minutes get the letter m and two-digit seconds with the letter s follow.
12h01
